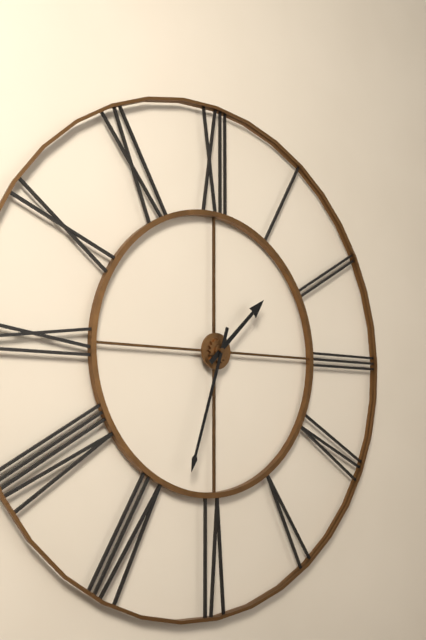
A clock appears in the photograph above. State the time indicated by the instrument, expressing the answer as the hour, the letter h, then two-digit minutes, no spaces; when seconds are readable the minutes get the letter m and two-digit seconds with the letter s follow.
1h33
